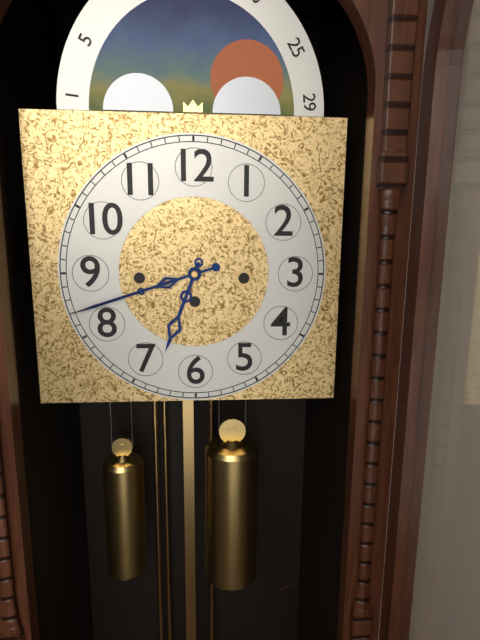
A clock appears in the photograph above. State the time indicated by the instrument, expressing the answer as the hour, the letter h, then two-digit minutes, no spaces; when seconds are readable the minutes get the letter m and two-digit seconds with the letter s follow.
6h42
